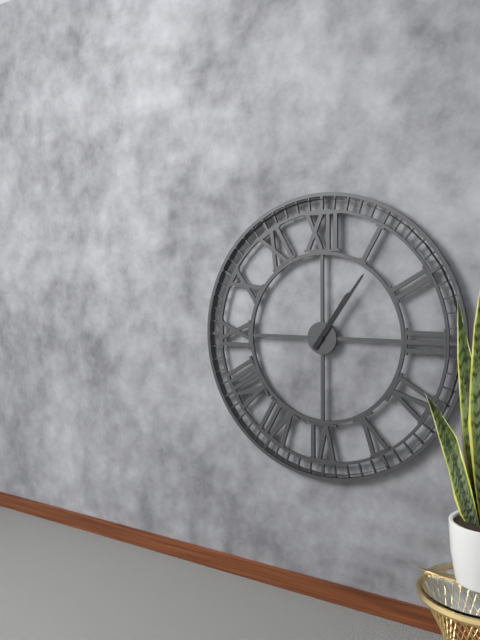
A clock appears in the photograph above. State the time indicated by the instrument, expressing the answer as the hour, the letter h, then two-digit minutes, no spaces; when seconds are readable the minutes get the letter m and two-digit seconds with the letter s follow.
1h06
